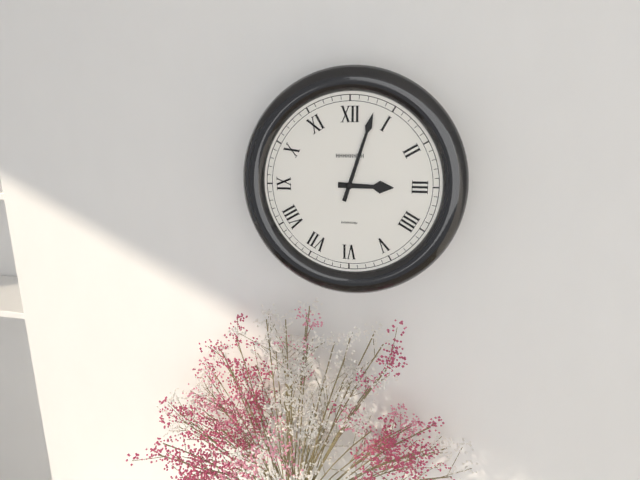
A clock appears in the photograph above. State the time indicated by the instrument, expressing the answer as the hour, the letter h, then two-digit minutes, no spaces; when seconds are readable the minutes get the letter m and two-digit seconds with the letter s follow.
3h03
